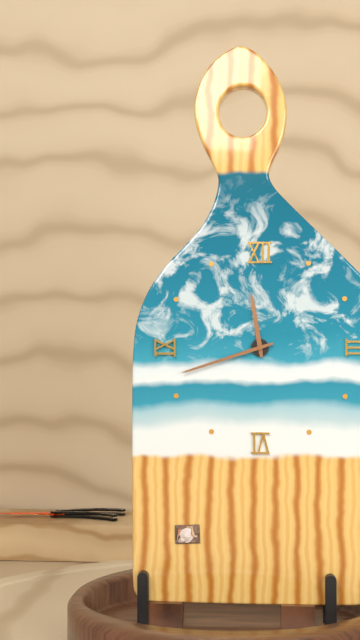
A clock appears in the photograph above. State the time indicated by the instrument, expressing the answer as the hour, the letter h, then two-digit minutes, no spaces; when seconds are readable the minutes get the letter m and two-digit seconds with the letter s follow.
11h42
